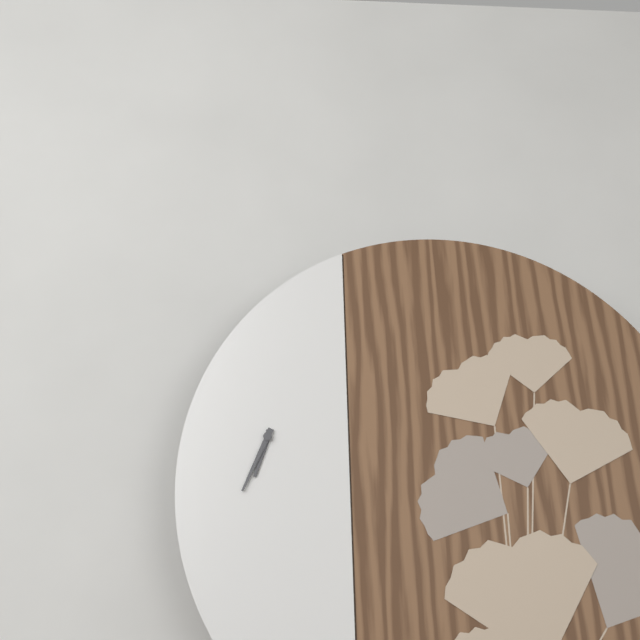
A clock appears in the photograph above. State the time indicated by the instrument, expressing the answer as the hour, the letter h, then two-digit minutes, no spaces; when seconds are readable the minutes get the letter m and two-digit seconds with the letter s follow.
6h34
